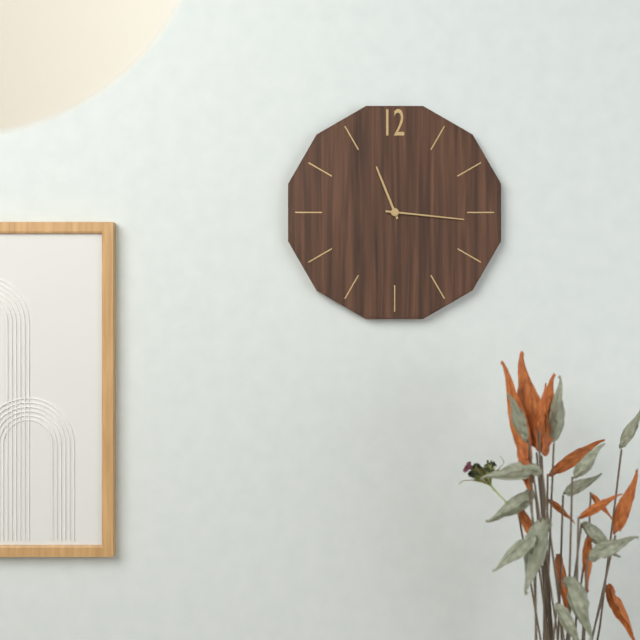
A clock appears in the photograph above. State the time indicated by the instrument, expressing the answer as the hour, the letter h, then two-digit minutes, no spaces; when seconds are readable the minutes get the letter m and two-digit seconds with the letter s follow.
11h16
